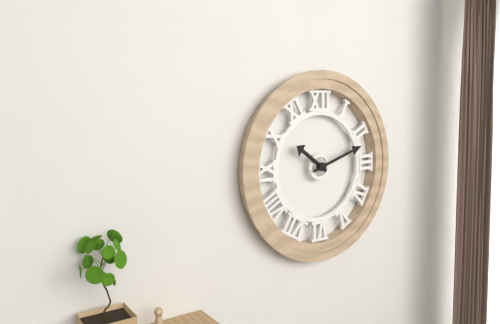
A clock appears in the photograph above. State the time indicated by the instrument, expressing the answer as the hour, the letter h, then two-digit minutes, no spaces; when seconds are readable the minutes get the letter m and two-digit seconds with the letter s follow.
10h12
